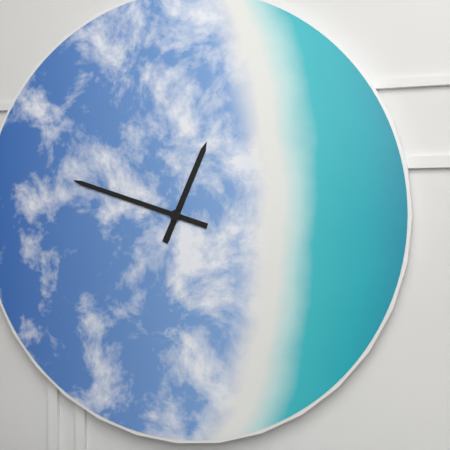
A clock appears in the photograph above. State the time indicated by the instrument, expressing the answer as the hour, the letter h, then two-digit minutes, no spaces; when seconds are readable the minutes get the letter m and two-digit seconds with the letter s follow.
12h48
